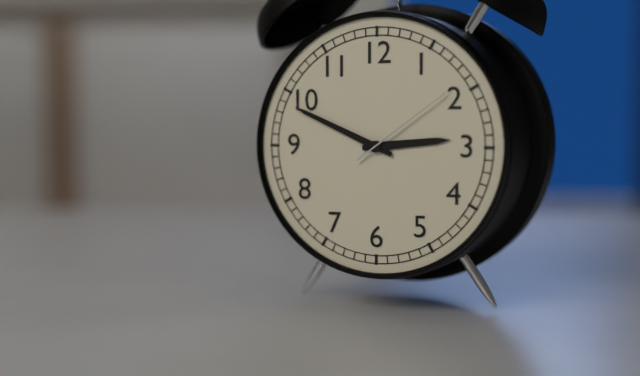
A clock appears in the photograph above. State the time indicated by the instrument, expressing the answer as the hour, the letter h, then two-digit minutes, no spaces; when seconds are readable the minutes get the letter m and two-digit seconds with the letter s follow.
2h49m09s
